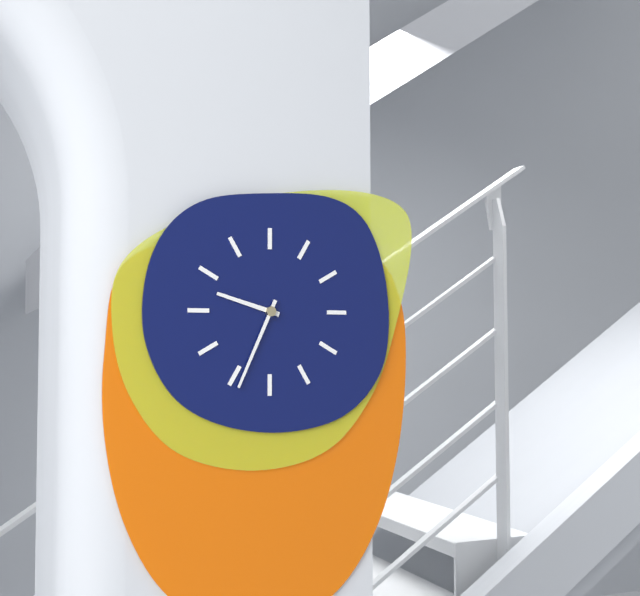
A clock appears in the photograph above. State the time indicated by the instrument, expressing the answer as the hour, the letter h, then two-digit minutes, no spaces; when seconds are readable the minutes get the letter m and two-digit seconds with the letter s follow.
9h34
